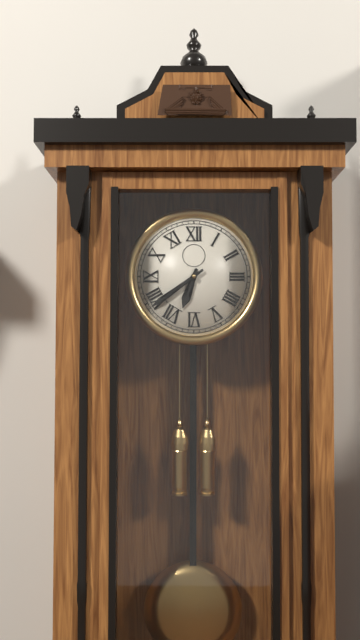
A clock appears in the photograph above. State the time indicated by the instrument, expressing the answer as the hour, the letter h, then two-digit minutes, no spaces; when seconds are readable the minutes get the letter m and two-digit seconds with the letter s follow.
6h39
